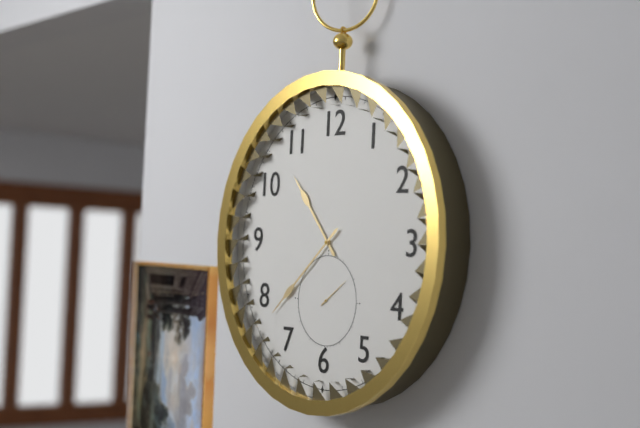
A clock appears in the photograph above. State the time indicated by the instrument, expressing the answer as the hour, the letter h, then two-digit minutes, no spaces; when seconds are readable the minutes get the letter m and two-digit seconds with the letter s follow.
10h38
